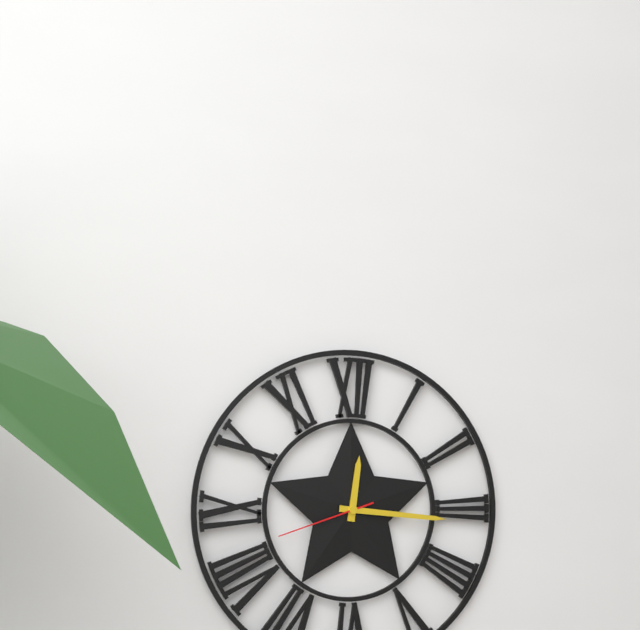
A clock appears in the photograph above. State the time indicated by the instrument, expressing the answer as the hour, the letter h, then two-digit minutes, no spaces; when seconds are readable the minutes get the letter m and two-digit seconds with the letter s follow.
12h16m42s
